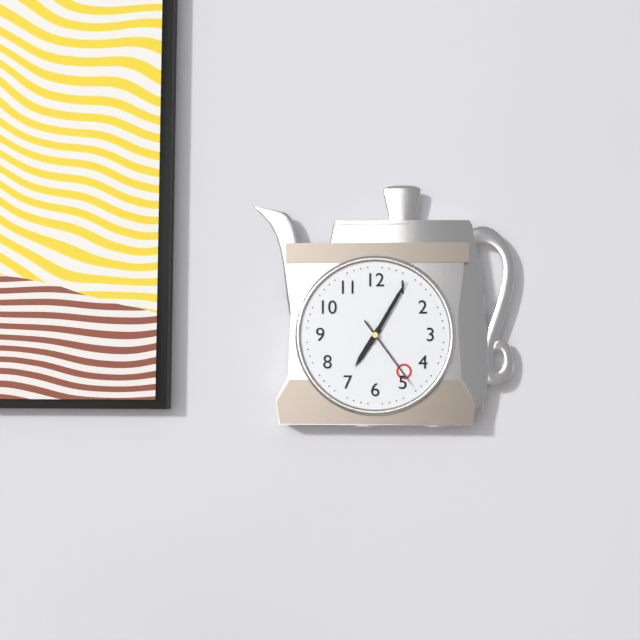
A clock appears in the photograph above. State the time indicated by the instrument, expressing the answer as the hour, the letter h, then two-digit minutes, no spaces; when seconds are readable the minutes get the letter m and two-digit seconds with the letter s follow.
7h05m24s
